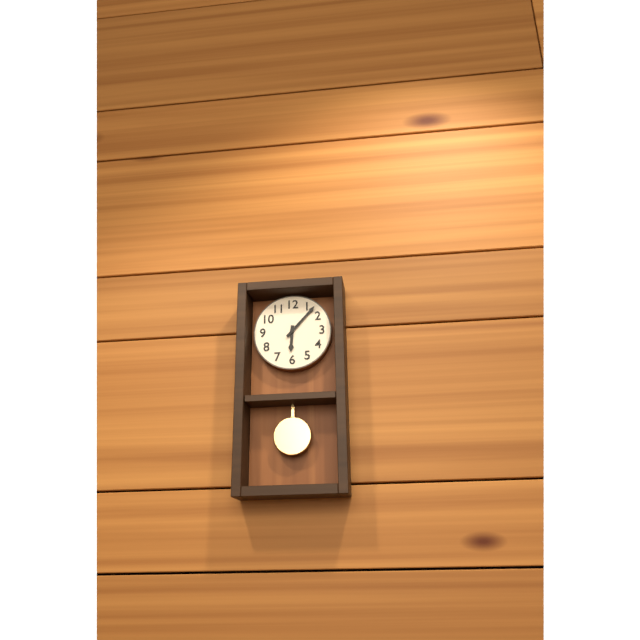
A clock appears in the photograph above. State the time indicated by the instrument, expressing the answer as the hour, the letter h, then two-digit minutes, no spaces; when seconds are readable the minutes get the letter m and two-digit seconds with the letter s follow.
6h07
